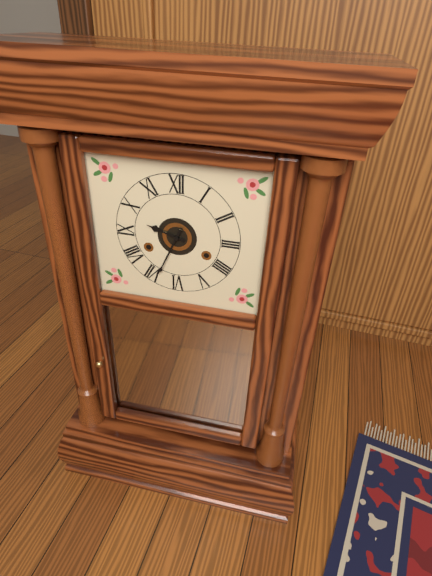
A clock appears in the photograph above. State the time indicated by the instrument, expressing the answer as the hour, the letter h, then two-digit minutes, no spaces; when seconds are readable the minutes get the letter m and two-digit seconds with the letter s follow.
9h34
